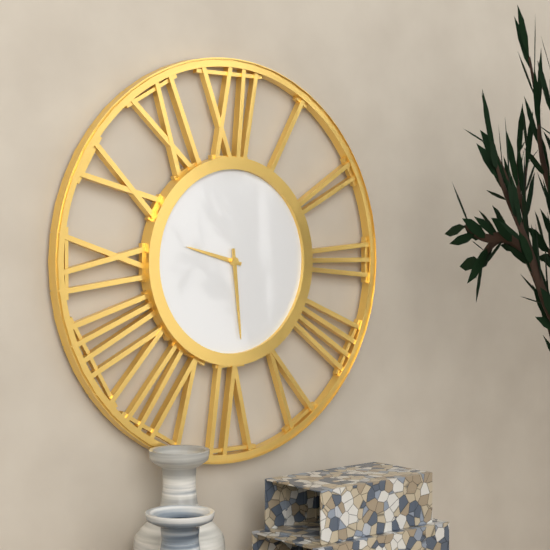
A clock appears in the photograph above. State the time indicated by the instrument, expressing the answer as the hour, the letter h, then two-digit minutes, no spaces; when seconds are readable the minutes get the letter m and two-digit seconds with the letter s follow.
9h29
